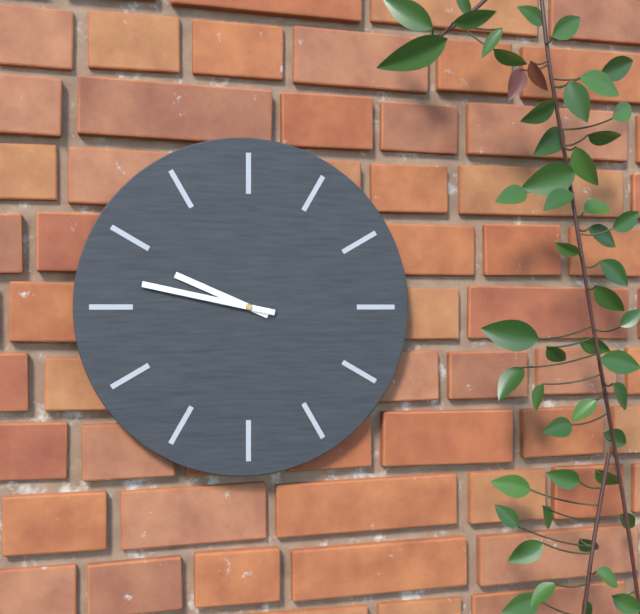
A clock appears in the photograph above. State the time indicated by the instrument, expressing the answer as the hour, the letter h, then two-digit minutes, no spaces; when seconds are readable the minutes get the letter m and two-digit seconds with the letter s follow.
9h47
